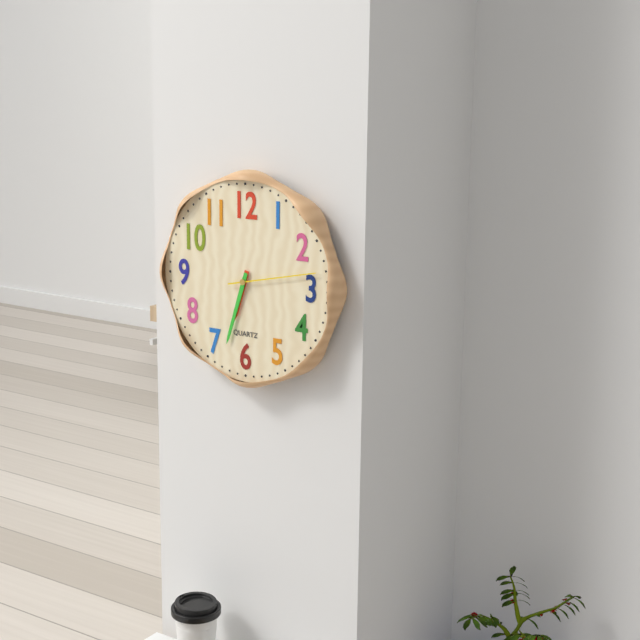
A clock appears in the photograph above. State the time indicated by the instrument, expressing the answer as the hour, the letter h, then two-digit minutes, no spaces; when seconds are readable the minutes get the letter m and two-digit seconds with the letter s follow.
6h33m13s
